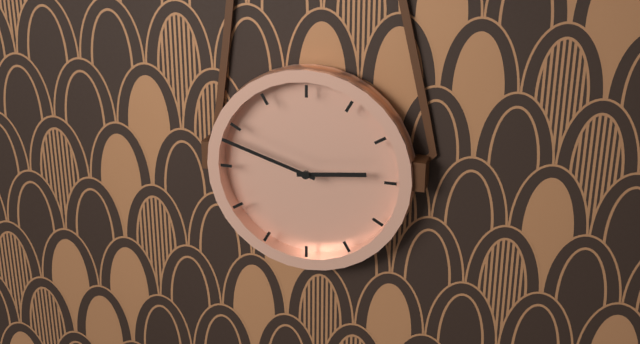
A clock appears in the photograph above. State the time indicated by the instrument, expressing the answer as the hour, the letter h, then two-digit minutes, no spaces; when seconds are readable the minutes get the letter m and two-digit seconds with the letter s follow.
2h48
